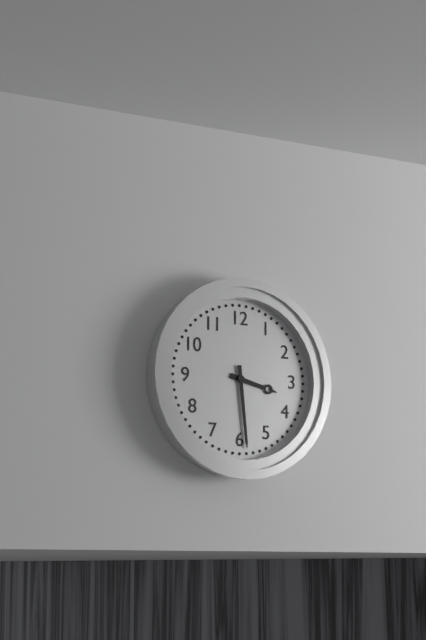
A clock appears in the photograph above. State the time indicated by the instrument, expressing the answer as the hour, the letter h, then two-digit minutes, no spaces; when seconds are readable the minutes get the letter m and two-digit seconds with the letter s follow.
3h29
